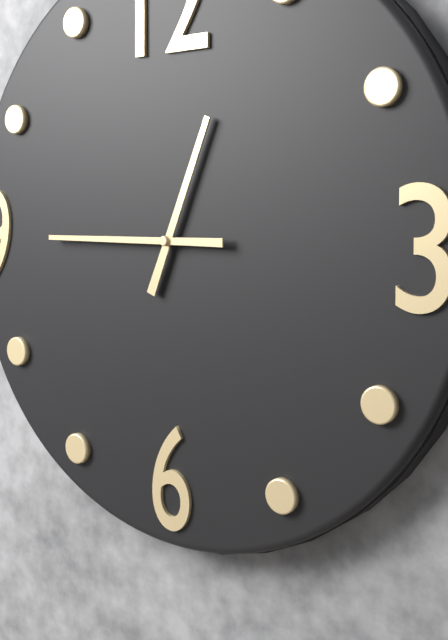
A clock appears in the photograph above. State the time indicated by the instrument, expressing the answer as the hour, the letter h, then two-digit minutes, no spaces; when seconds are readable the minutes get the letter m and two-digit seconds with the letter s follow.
12h45
